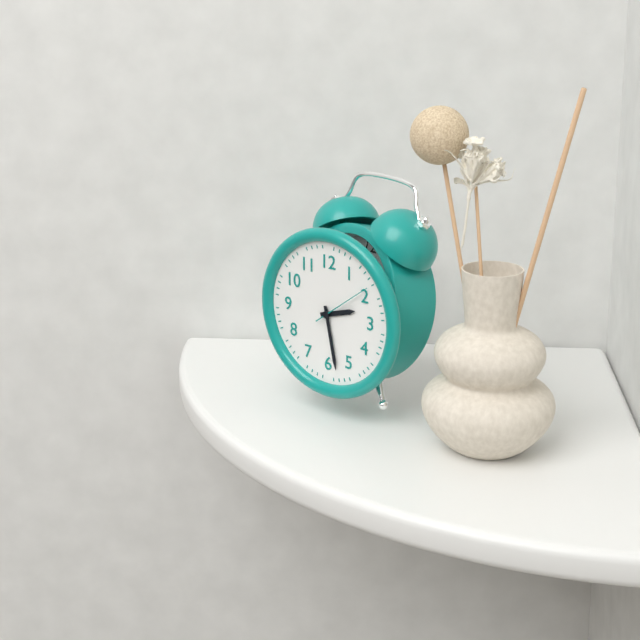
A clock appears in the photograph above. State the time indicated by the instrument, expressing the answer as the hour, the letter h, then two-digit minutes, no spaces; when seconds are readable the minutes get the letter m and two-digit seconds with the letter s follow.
2h28m09s
